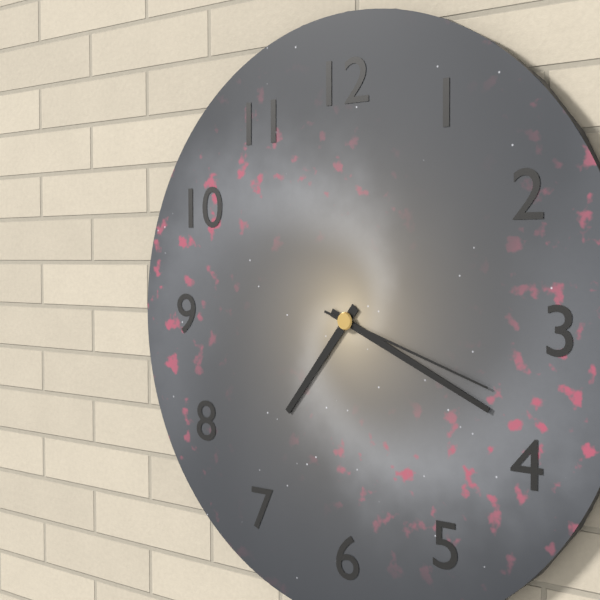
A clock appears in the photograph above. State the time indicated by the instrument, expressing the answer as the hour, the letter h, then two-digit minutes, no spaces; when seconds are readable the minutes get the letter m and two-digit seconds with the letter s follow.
7h19m18s
